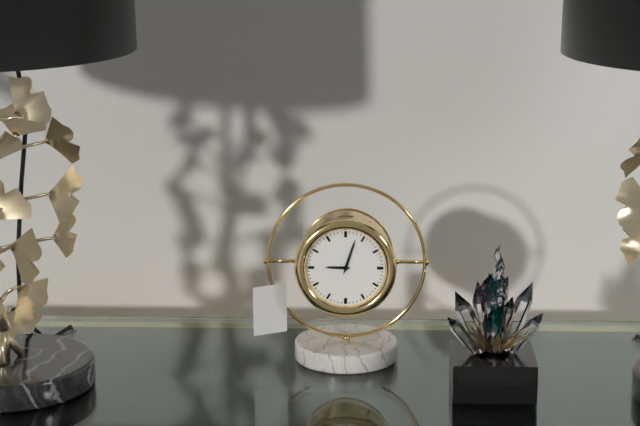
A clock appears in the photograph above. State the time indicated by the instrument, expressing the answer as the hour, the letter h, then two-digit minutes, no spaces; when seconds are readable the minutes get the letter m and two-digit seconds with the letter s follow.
9h03
